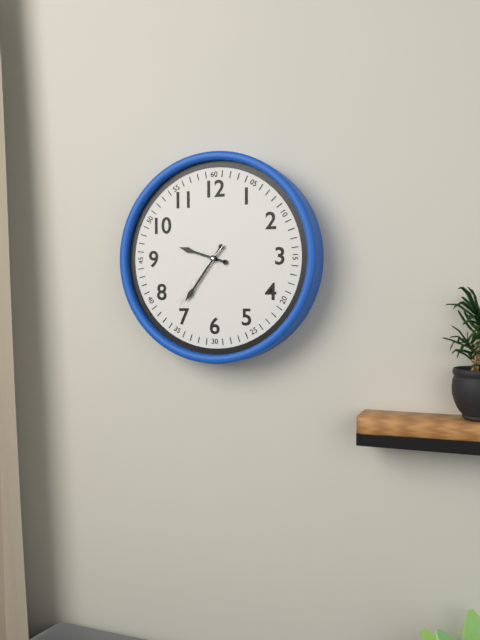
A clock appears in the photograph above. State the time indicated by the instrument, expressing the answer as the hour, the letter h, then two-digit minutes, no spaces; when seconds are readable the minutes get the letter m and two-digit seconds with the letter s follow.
9h36m37s
